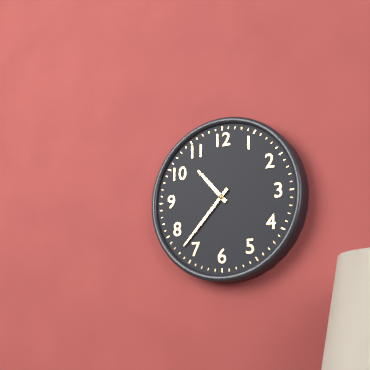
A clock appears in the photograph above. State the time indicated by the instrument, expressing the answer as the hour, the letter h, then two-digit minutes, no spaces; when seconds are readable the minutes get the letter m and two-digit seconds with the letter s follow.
10h37
